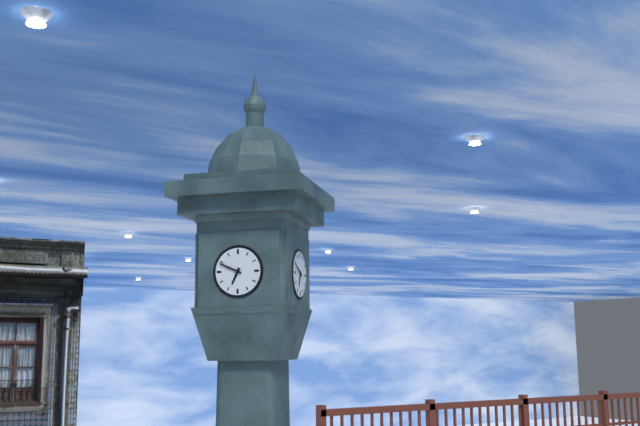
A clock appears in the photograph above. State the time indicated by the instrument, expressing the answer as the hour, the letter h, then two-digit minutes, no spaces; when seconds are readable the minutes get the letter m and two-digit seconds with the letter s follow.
6h49
